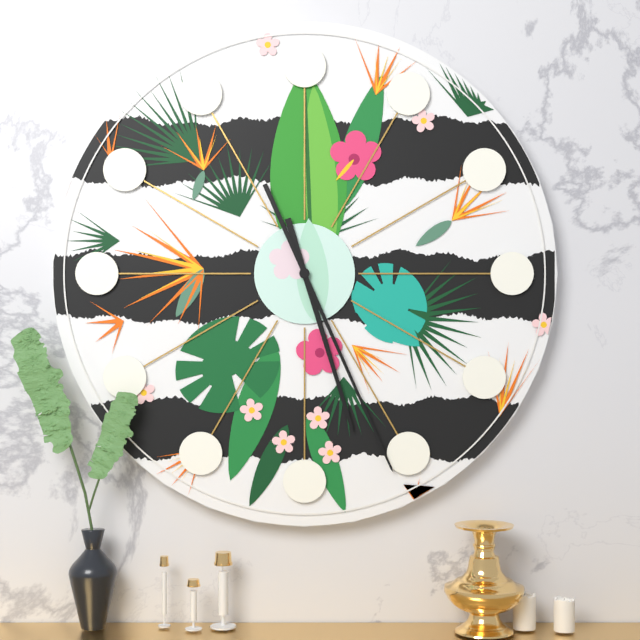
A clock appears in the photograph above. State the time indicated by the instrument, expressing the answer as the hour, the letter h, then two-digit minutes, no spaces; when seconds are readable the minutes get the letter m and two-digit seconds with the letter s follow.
5h26
